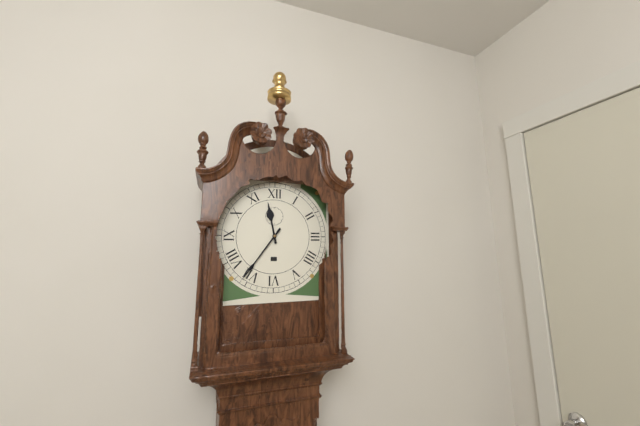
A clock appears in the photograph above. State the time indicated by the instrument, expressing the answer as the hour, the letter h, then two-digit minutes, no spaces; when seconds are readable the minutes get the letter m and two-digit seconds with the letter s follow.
11h36
